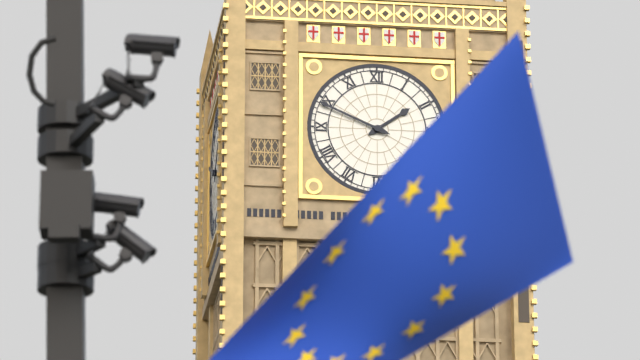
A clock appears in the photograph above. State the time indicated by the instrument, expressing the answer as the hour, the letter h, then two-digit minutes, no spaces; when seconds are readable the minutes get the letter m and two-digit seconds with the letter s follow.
1h49
